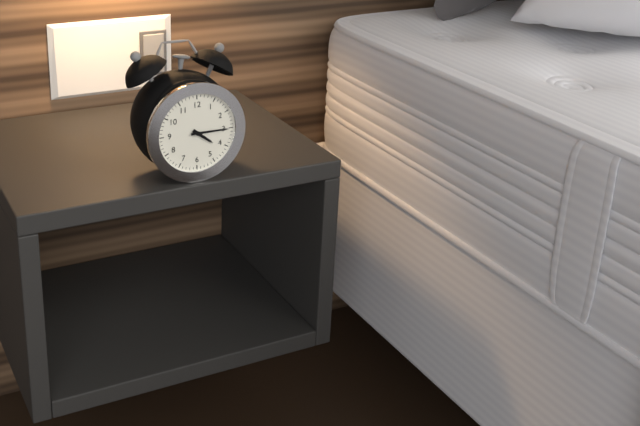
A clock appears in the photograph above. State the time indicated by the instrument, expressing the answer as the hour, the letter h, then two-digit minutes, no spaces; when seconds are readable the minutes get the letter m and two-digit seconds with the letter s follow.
4h15
